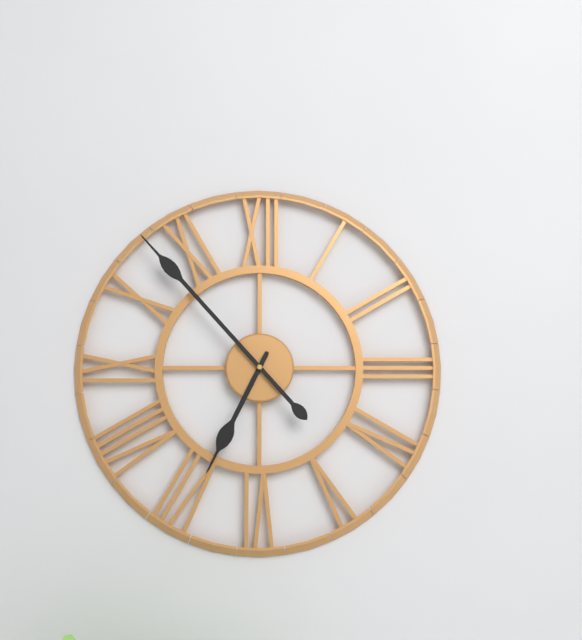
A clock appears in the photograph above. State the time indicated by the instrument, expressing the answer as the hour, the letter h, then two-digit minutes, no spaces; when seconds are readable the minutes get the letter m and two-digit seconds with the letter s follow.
6h53
